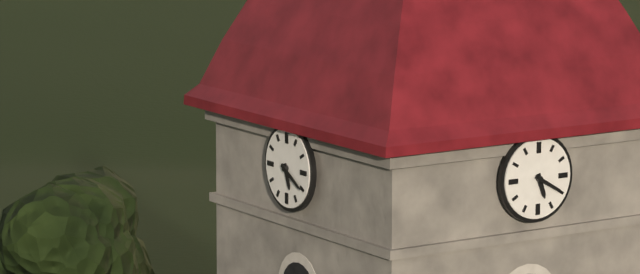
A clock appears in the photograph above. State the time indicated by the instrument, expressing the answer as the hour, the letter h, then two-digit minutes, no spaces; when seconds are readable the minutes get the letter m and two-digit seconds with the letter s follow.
5h20
